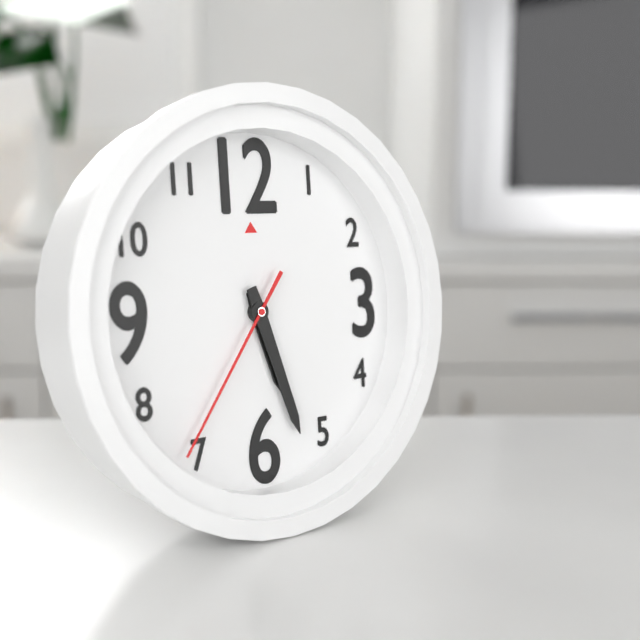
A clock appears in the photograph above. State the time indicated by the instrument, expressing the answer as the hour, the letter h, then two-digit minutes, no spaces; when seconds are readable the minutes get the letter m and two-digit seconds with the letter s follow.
5h27m36s
